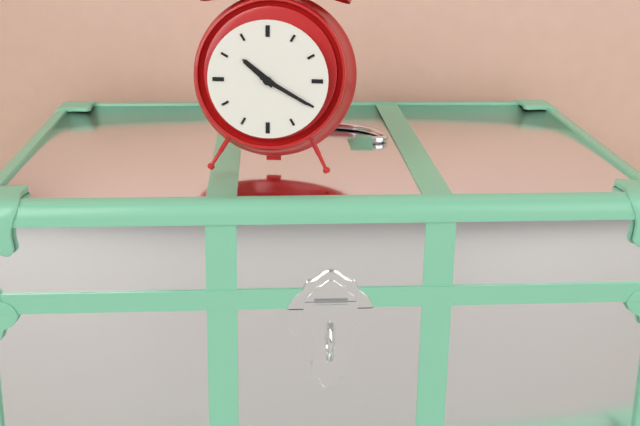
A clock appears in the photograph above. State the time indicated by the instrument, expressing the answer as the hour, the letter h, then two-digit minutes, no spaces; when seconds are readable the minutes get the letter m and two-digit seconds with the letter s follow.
10h20
